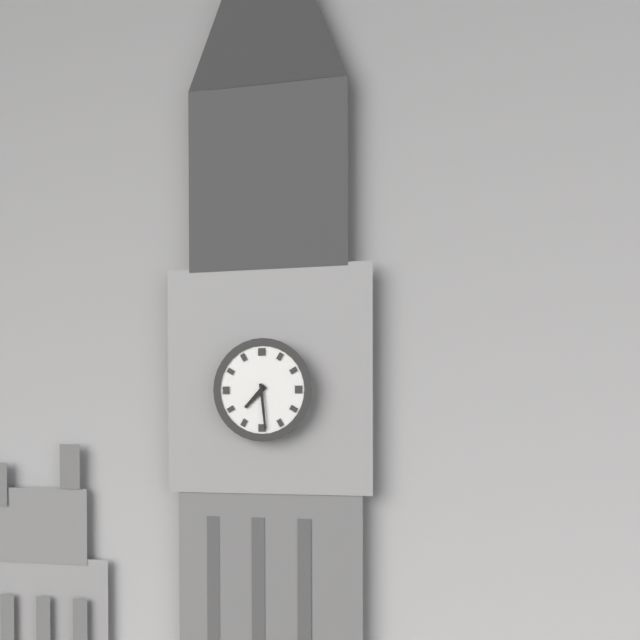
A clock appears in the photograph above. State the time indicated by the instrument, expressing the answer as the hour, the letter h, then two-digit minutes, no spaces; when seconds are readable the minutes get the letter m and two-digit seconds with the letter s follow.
7h29
